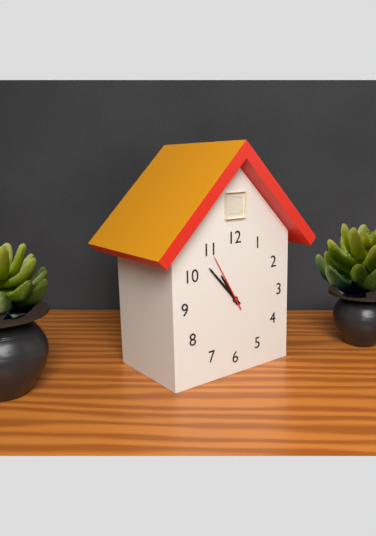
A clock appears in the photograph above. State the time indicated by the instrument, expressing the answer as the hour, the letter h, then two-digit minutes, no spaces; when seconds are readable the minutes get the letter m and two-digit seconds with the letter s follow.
10h53m55s
